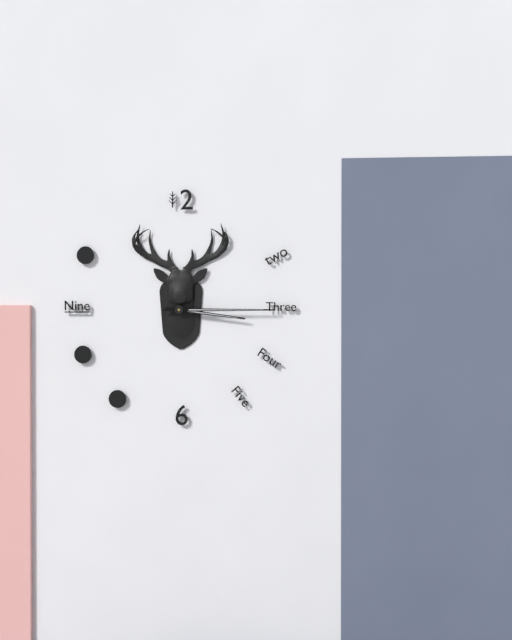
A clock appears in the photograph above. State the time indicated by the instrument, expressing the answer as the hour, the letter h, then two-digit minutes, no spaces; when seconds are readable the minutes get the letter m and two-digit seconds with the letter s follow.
3h15
